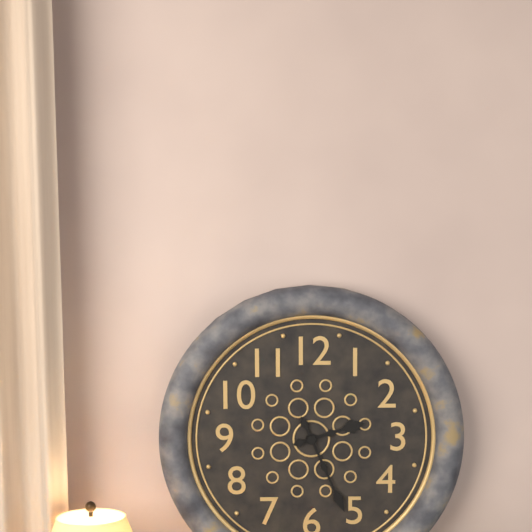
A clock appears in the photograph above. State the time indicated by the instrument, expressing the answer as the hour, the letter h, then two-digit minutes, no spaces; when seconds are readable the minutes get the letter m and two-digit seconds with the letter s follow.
2h26
